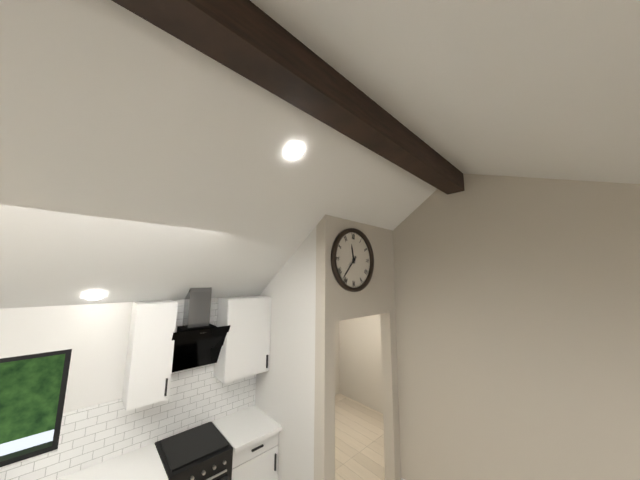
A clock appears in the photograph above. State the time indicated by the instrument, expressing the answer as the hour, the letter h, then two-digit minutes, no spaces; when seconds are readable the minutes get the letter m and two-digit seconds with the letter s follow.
11h37
